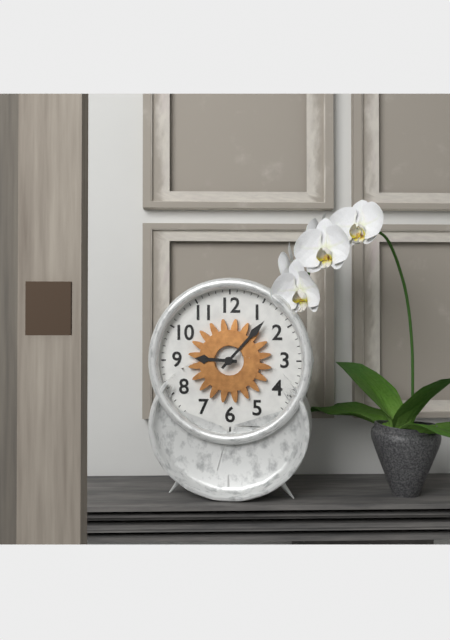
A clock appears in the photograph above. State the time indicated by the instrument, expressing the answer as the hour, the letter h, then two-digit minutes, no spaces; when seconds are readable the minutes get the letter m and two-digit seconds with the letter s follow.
9h07
